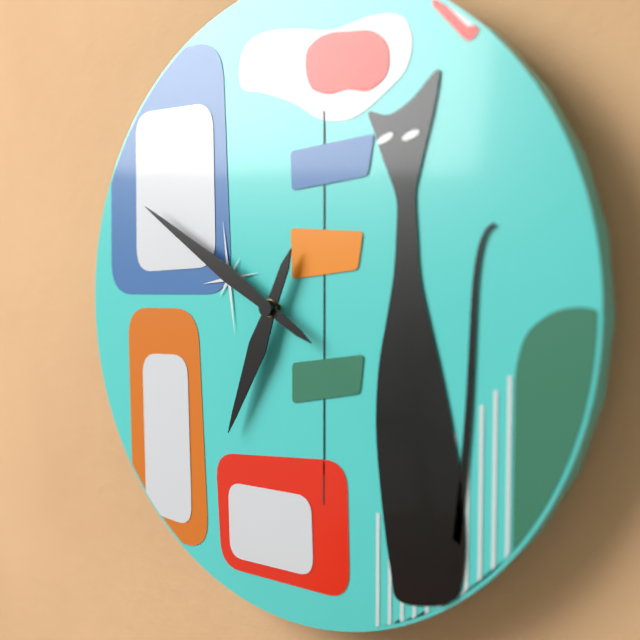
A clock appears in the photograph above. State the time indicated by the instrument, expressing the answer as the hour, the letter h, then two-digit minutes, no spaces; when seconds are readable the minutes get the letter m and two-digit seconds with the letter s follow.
6h50
